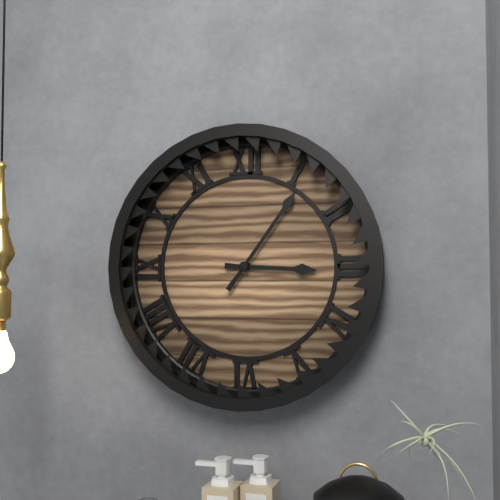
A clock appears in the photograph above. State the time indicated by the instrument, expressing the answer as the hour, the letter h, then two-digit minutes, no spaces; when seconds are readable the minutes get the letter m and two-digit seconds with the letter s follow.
3h06
